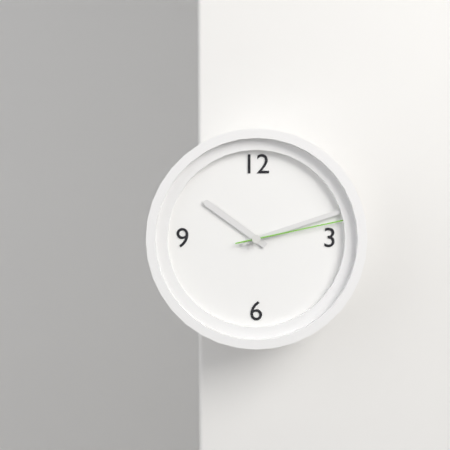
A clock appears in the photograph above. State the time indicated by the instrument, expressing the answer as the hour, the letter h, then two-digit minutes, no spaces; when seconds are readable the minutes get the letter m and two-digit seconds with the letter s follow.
10h12m13s
